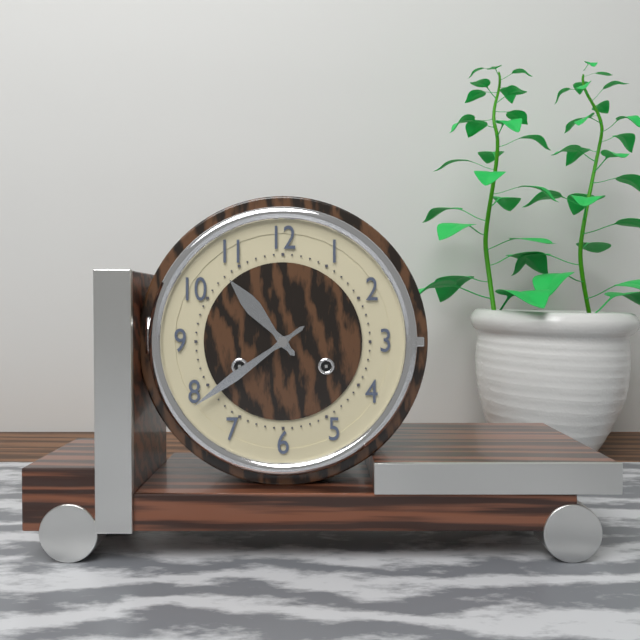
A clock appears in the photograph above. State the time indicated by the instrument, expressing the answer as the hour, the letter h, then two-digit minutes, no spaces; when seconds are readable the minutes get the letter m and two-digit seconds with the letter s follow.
10h39
